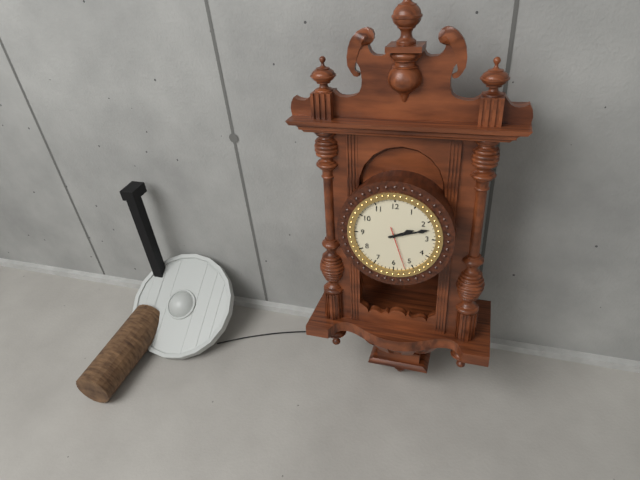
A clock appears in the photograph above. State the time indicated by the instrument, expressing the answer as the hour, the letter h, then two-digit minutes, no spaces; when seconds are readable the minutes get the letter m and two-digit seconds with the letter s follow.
2h12
